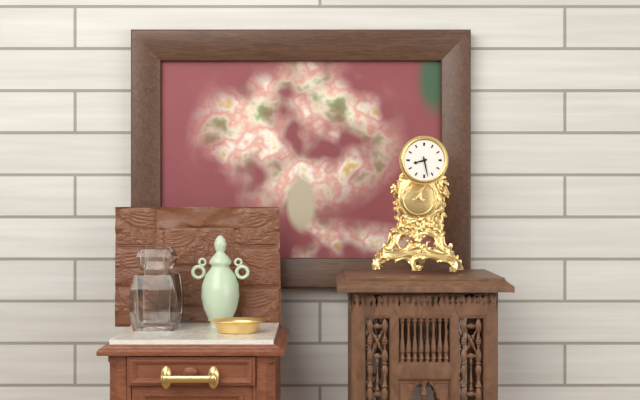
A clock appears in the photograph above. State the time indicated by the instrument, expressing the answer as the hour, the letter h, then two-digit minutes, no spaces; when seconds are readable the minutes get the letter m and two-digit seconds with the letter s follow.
8h28
